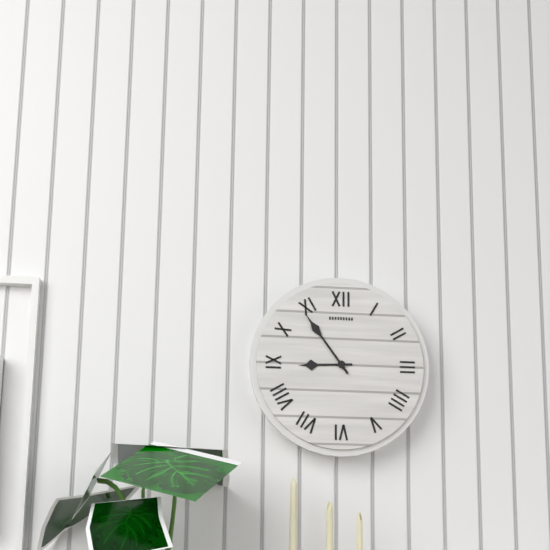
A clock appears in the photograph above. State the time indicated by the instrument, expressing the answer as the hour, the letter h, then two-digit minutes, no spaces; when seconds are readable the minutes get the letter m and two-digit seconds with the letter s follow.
8h54
